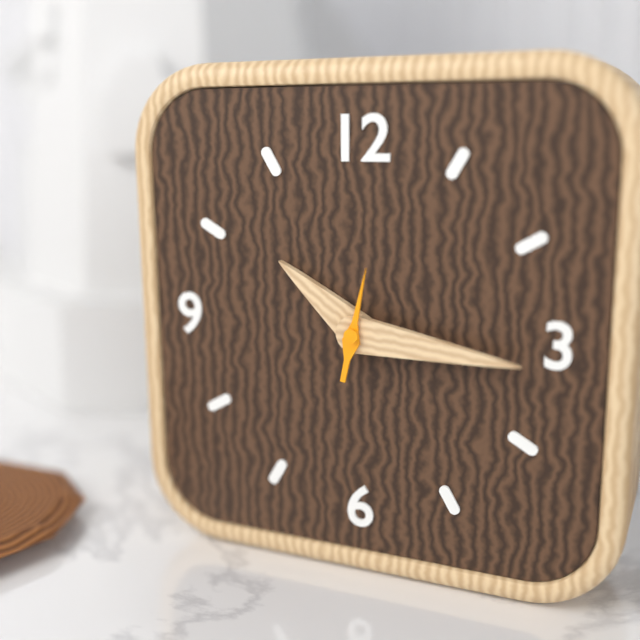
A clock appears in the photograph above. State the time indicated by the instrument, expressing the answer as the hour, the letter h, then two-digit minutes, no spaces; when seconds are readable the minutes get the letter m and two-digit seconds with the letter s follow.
10h16m02s
